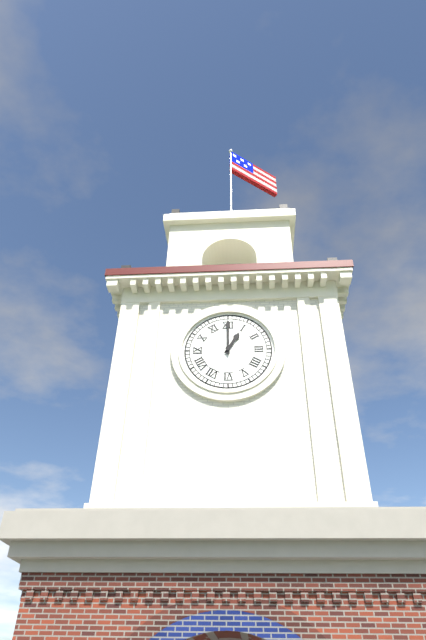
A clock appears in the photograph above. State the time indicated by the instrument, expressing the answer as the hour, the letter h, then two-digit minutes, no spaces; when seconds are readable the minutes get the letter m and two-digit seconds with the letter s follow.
1h00
